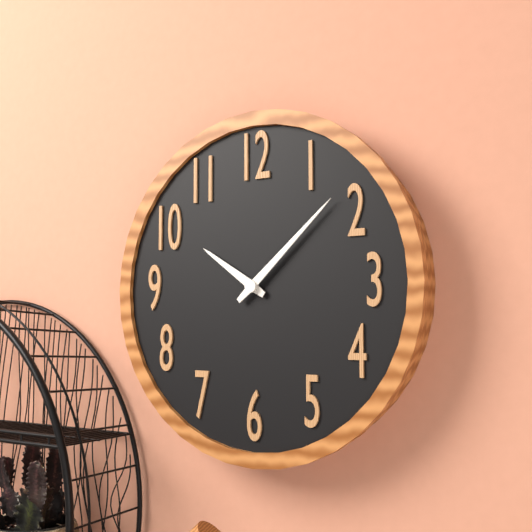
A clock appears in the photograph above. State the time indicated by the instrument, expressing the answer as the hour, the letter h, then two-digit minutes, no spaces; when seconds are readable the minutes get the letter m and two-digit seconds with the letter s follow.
10h08
